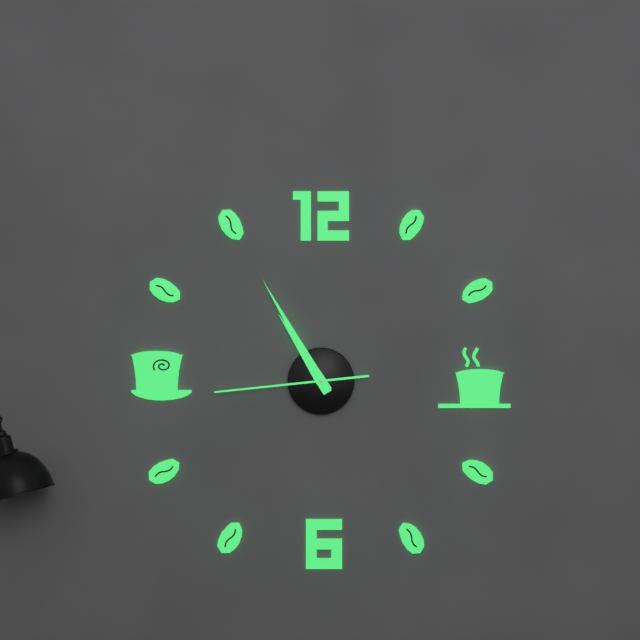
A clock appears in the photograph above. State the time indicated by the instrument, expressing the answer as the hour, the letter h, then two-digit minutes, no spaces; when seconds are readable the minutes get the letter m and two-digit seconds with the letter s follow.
10h55m44s
